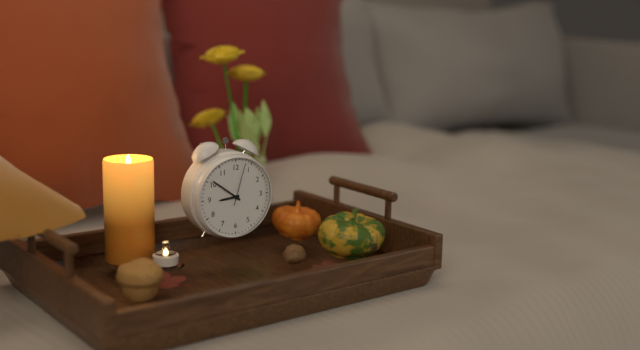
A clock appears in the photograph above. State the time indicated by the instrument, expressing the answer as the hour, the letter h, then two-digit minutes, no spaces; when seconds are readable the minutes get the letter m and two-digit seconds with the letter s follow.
8h51
